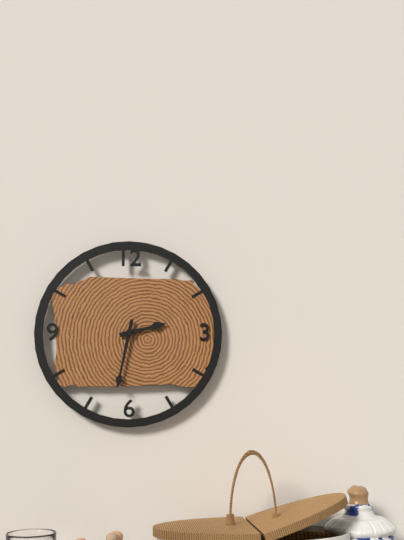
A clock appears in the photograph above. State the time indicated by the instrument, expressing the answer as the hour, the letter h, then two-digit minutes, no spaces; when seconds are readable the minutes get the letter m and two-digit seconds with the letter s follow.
2h32
